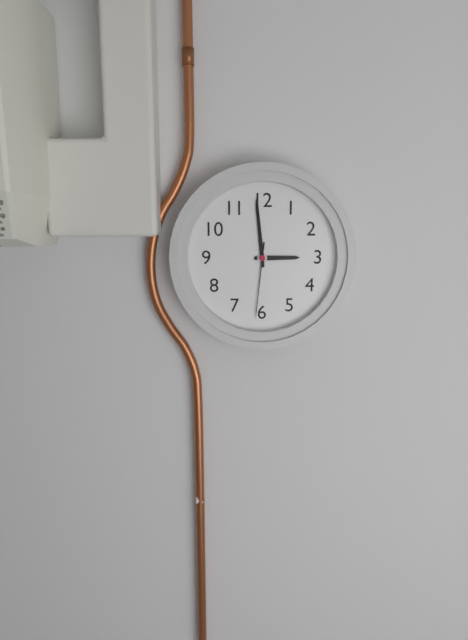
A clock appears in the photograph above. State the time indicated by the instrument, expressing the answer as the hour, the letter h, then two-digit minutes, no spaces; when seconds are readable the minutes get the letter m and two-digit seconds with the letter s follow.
2h59m31s
